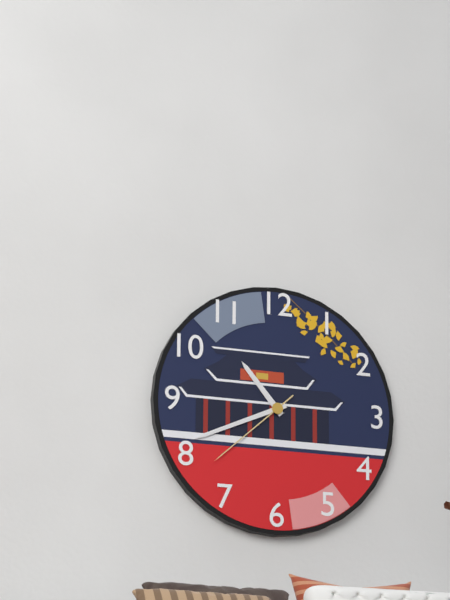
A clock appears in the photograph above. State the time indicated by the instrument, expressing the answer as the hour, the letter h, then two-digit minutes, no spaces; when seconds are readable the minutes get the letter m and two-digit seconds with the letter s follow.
10h41m38s
